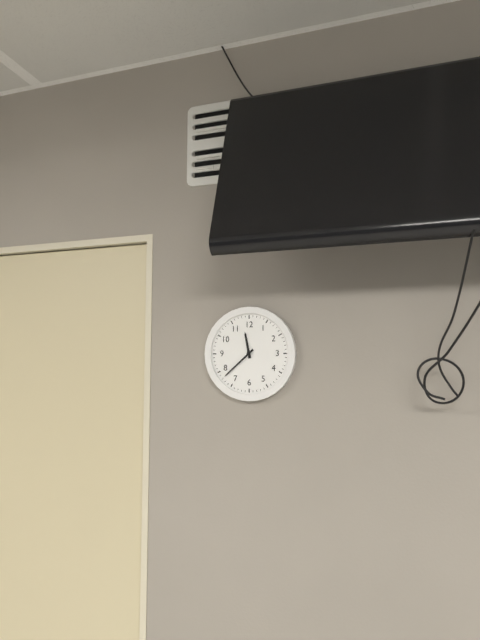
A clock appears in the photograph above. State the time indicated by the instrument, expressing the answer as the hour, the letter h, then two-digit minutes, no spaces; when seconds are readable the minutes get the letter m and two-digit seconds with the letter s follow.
11h38
